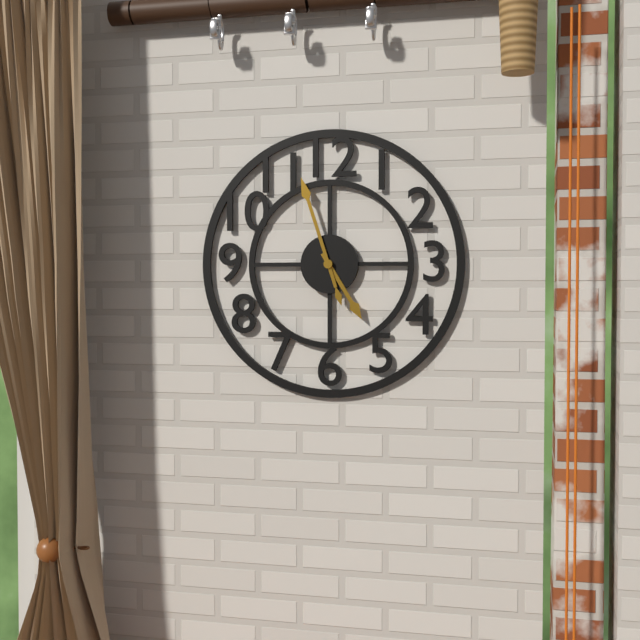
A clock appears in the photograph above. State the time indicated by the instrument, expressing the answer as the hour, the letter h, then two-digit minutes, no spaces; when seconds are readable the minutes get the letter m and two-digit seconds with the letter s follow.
4h57
